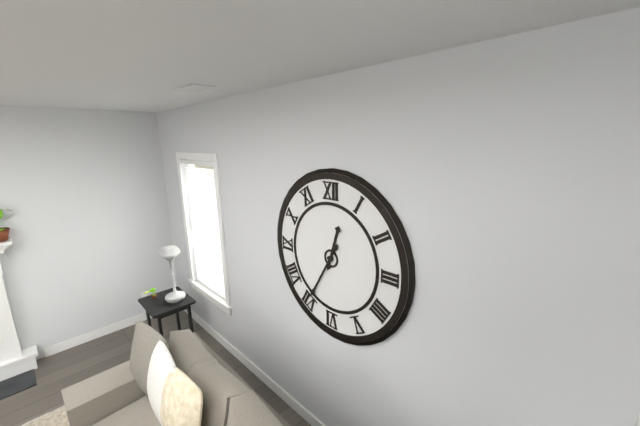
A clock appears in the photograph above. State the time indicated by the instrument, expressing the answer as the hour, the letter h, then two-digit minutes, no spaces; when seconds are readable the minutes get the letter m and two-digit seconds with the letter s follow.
12h35
